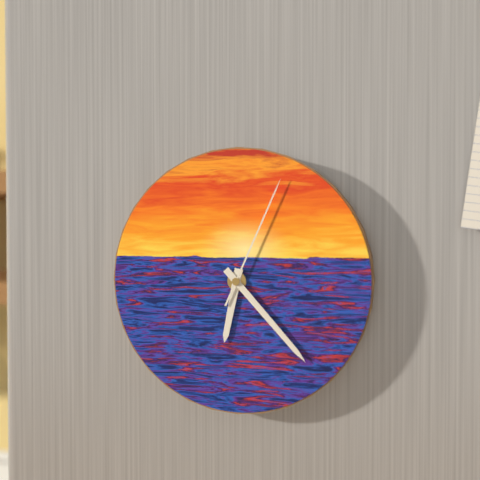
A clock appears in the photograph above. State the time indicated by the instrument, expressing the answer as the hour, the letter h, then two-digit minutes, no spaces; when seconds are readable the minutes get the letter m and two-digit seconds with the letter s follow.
6h23m04s
